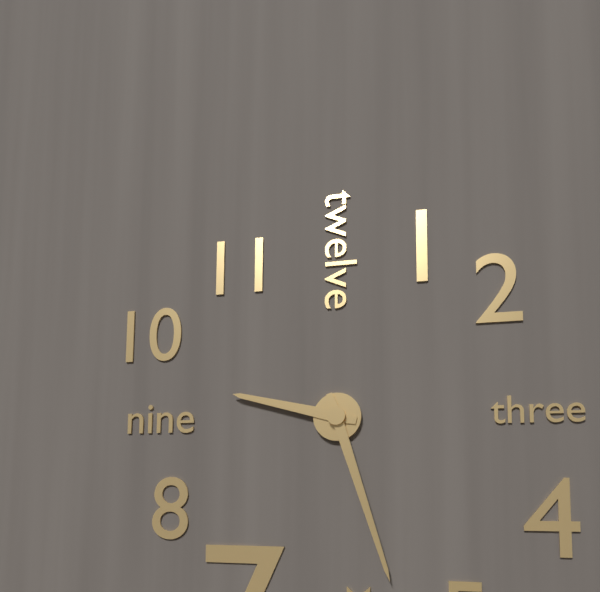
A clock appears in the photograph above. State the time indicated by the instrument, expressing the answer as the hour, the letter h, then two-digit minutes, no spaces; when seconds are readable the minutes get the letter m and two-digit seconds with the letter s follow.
9h27
